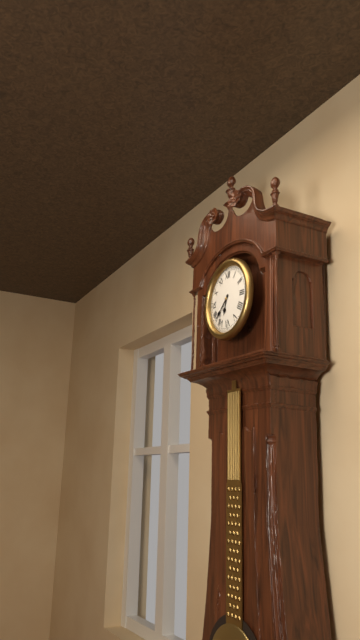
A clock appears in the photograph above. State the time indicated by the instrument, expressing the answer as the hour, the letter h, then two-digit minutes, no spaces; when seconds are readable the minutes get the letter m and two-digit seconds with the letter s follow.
6h38
